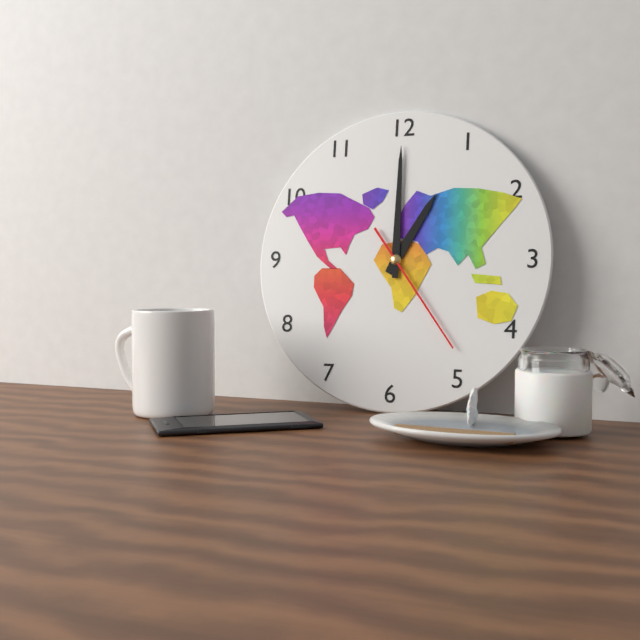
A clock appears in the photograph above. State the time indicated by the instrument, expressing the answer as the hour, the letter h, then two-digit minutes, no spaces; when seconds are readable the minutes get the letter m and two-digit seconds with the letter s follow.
1h00m24s
